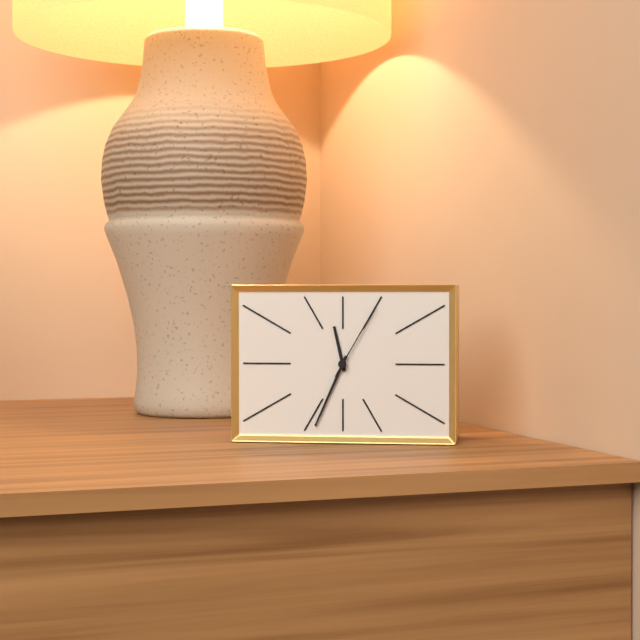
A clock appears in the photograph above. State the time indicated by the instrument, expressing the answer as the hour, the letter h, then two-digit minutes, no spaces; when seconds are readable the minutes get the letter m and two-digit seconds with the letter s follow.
11h34m05s
